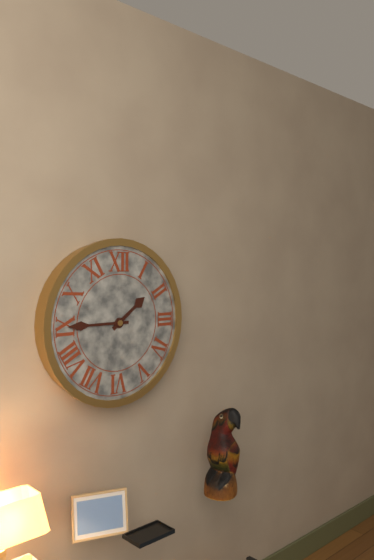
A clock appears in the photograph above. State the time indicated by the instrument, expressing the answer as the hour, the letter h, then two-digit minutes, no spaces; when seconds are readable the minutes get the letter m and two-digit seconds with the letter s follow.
1h45
